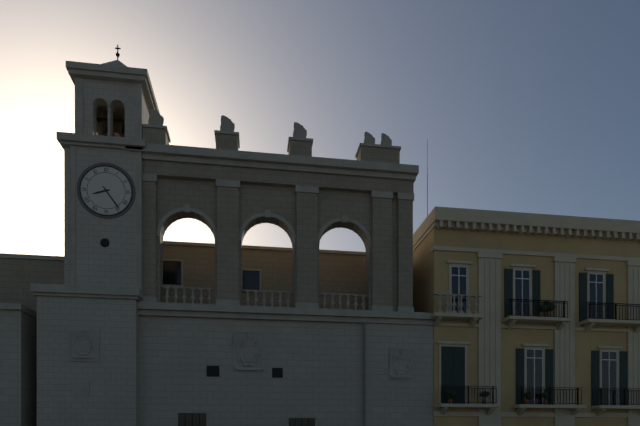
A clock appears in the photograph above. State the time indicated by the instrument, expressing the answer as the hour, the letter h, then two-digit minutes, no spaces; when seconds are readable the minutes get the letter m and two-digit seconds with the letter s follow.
8h24
